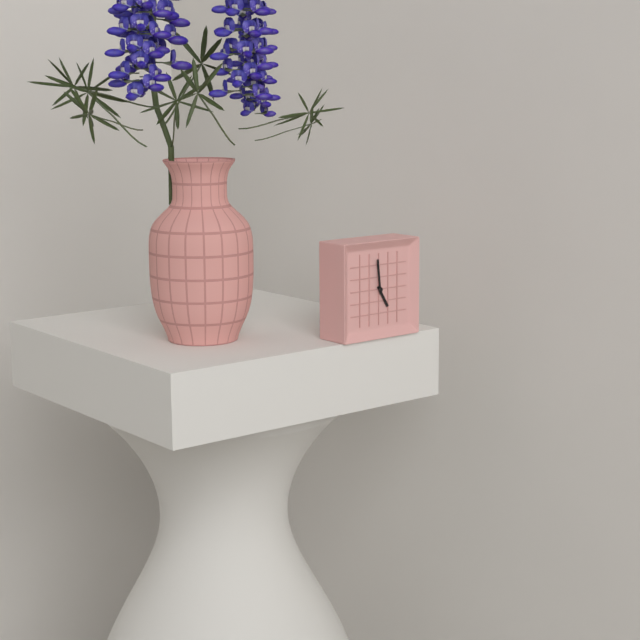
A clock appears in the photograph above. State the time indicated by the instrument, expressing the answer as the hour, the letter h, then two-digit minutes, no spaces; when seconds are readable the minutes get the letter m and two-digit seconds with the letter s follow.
4h59
